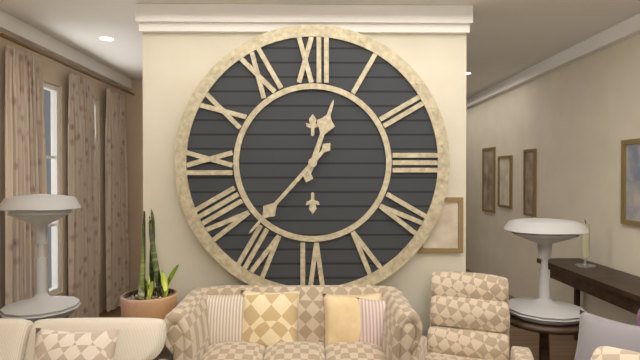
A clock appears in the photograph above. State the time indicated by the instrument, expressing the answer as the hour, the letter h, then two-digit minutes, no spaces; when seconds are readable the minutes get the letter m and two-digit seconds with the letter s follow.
12h37
